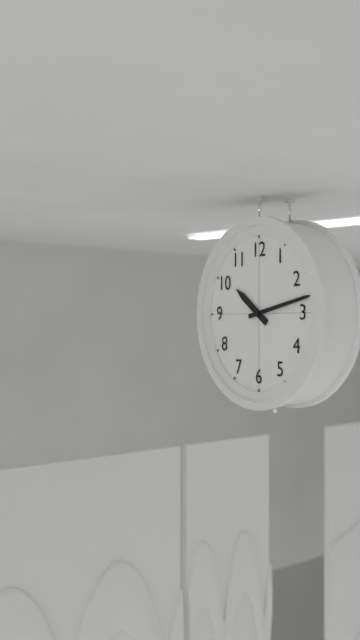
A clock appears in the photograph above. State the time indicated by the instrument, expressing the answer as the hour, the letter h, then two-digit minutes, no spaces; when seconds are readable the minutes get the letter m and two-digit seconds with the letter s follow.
10h13
